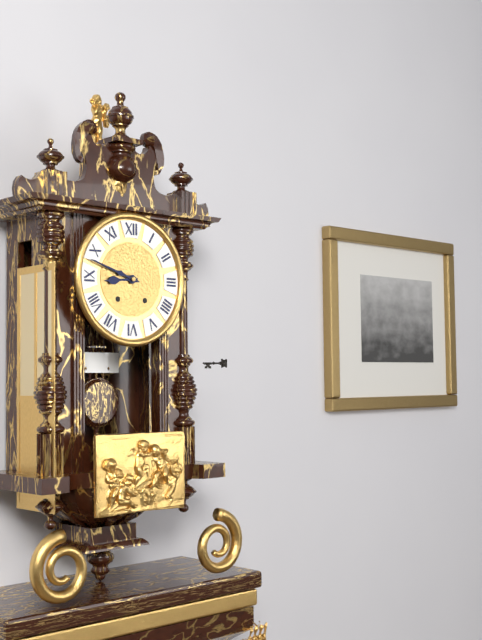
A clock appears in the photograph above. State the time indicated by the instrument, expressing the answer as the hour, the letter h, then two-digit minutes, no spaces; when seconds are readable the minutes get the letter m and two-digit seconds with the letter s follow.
8h48
